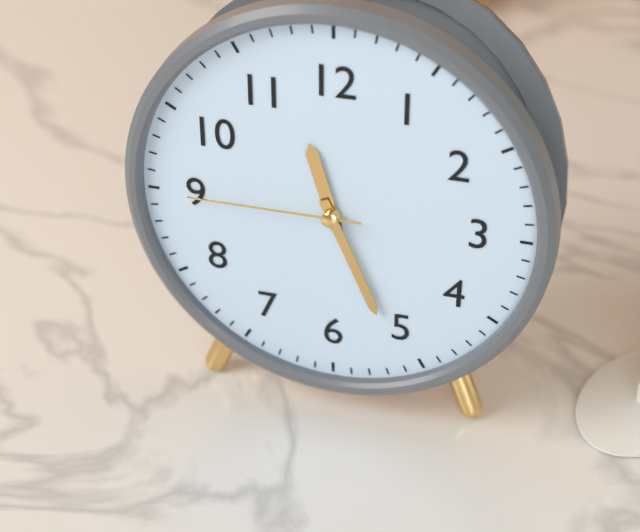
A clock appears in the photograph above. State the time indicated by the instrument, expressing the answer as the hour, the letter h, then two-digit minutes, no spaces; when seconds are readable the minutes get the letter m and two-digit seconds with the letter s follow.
11h26m45s
